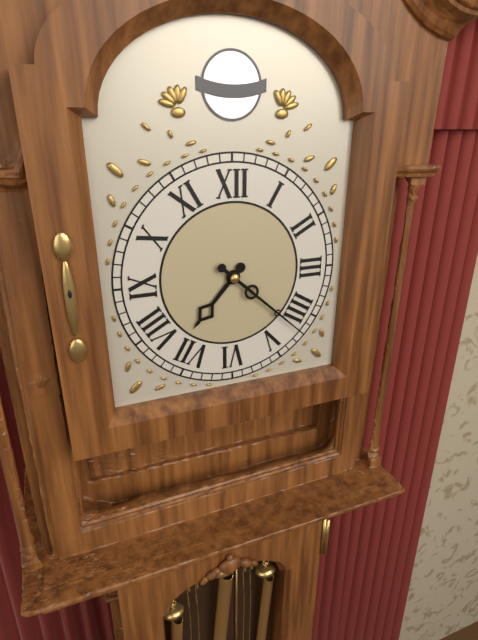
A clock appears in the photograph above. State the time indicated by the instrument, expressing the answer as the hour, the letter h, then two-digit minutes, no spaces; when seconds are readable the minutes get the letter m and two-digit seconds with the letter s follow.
7h22
